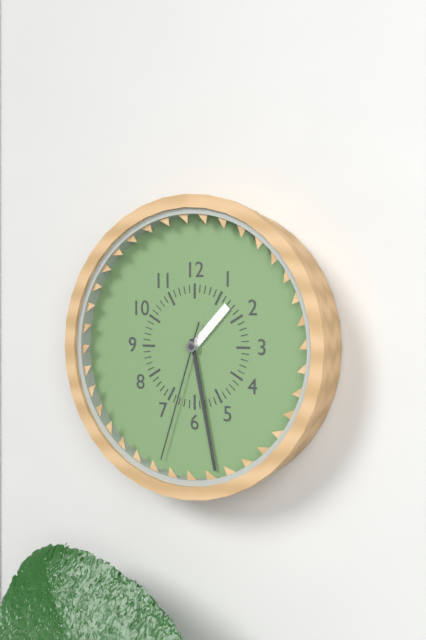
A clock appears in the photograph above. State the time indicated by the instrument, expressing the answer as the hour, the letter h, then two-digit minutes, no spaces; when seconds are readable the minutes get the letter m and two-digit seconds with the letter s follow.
1h28m33s
